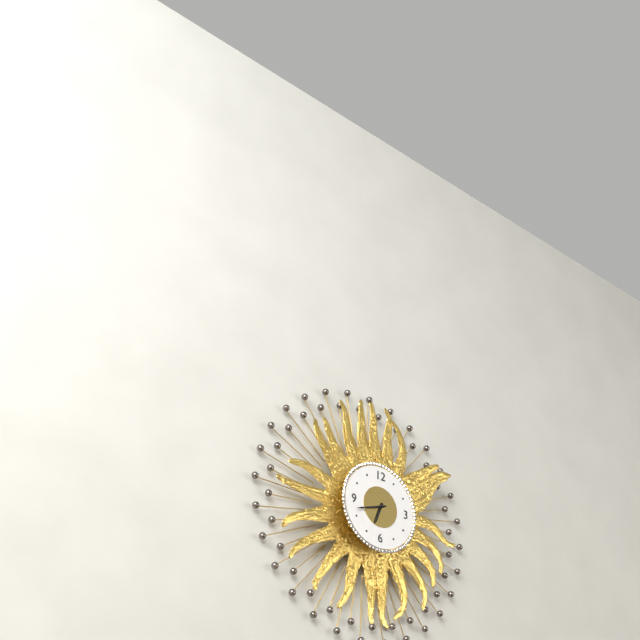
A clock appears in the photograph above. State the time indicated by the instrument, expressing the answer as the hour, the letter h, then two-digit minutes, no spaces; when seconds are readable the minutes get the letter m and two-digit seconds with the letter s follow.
6h42
